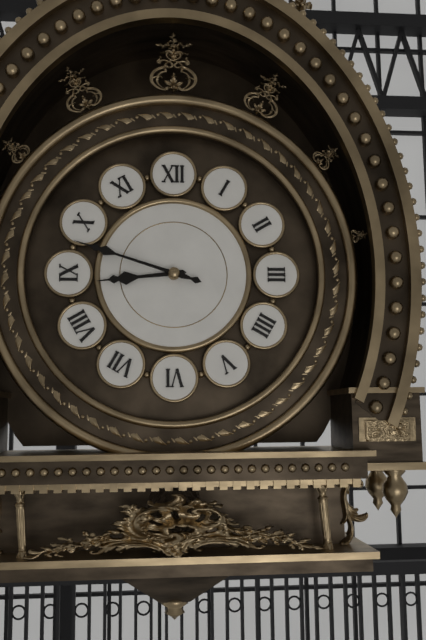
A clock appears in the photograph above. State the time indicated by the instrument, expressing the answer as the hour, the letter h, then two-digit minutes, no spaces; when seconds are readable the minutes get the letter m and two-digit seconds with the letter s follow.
8h48
